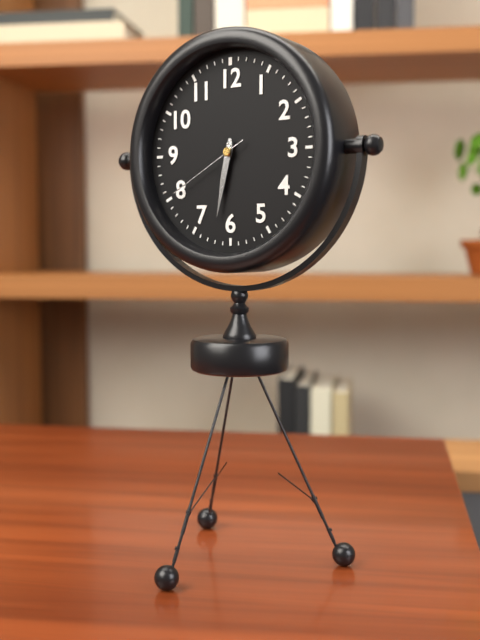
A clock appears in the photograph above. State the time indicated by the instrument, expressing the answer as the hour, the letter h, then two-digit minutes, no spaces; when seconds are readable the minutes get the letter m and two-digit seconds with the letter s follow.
6h32m40s
